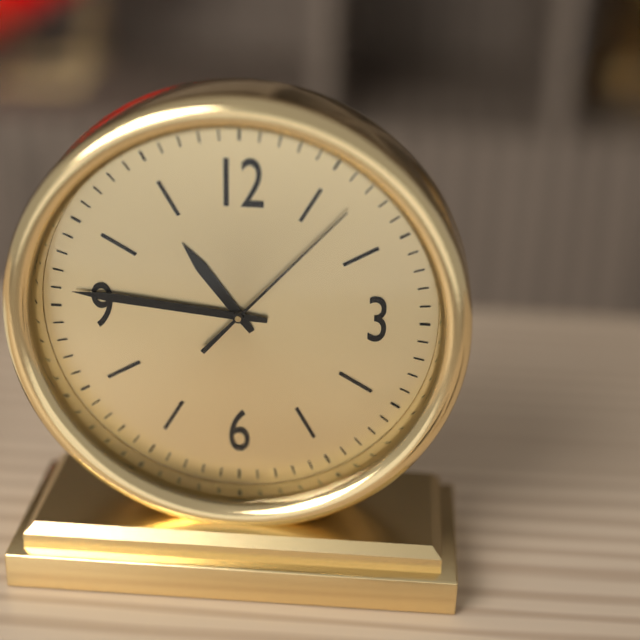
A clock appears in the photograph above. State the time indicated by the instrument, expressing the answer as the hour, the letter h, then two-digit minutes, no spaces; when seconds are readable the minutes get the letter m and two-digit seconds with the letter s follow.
10h46m07s
